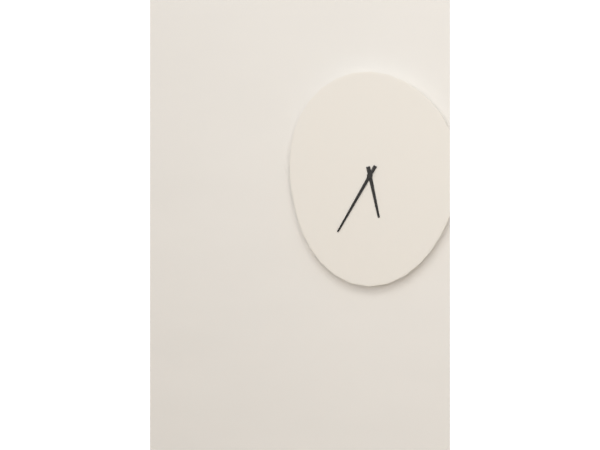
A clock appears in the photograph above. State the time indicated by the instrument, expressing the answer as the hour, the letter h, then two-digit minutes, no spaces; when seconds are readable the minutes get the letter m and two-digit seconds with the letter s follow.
5h35
